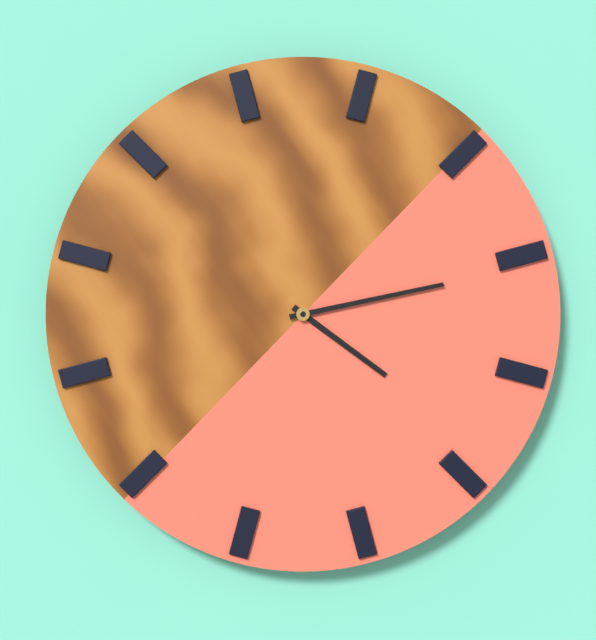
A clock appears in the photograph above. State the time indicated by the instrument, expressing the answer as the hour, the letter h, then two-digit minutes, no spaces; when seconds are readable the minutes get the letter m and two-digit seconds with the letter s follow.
4h13
